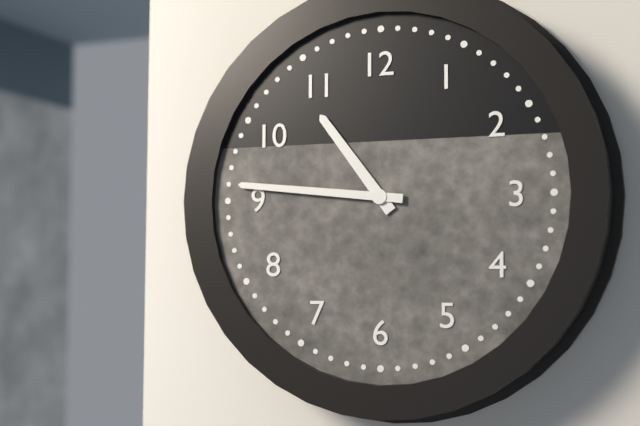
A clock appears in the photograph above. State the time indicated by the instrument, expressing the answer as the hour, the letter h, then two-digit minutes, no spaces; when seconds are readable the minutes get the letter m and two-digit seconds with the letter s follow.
10h46
